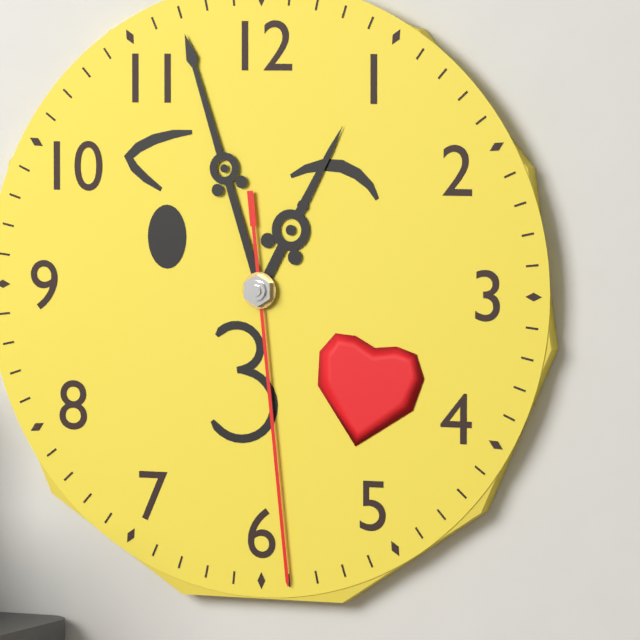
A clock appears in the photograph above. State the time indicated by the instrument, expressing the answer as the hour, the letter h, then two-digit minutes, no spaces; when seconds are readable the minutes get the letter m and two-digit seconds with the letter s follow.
12h57m29s
